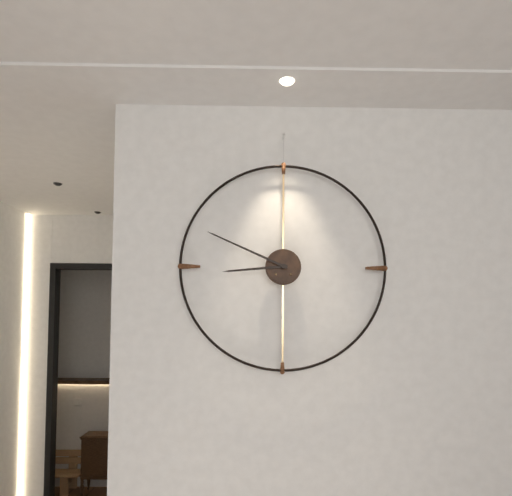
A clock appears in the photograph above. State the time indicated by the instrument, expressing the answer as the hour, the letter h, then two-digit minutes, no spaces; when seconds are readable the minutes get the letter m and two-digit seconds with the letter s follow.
8h49
